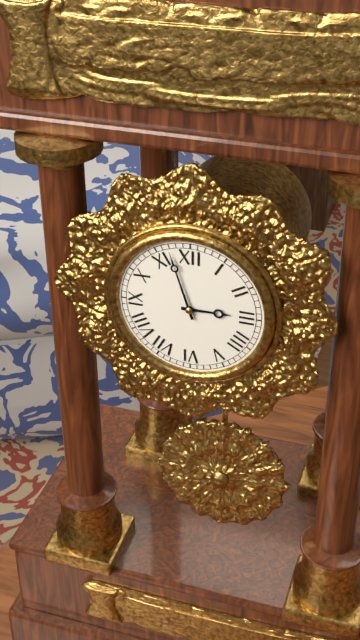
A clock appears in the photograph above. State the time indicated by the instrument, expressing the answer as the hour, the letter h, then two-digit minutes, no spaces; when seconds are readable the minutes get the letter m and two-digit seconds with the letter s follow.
2h57
